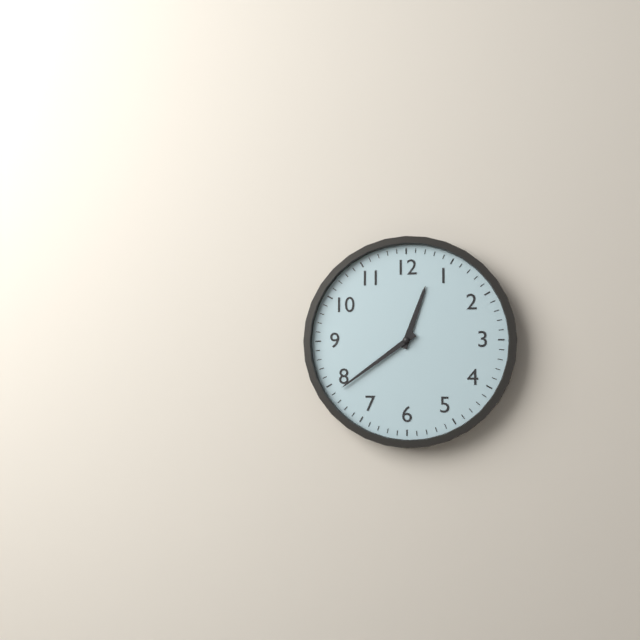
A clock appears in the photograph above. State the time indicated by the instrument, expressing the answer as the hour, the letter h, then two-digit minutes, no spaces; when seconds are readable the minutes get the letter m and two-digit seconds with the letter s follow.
12h39
